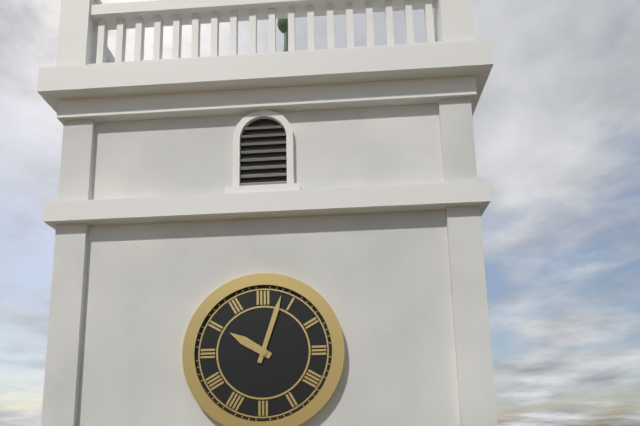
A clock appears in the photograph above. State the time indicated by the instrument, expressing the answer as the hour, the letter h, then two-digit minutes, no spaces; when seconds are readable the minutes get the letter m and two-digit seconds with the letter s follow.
10h03
